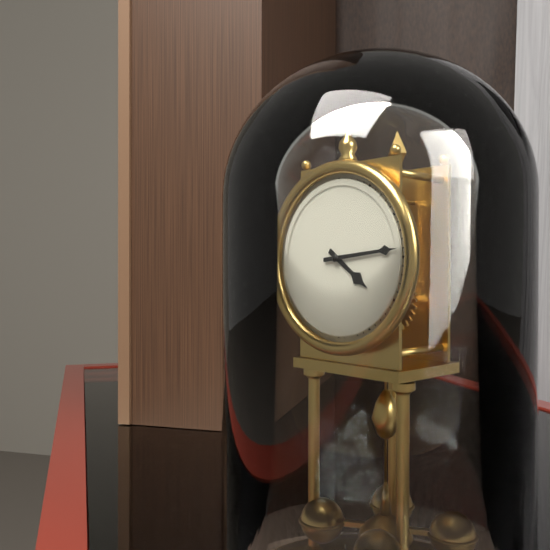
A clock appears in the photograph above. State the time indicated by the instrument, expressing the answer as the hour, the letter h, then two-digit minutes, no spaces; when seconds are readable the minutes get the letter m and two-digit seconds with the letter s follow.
4h14
